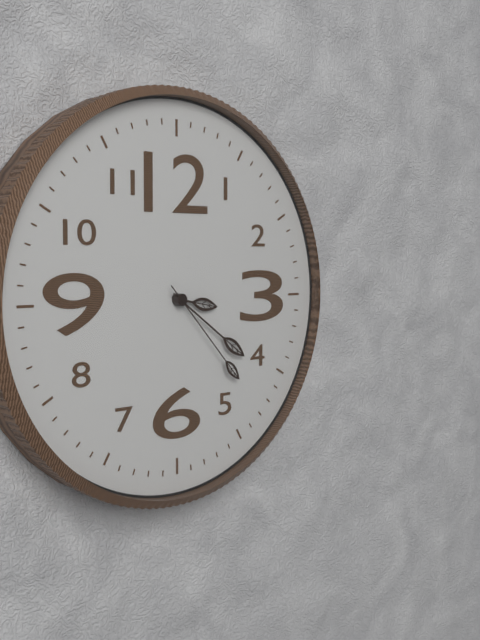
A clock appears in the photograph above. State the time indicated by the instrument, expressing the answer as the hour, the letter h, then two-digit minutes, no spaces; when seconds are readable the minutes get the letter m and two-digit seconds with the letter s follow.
3h21m23s
